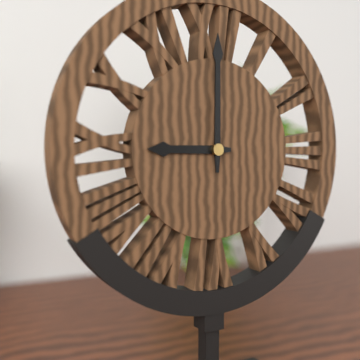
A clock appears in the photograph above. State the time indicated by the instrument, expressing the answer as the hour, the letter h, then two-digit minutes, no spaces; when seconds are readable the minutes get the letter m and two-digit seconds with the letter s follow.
9h00
